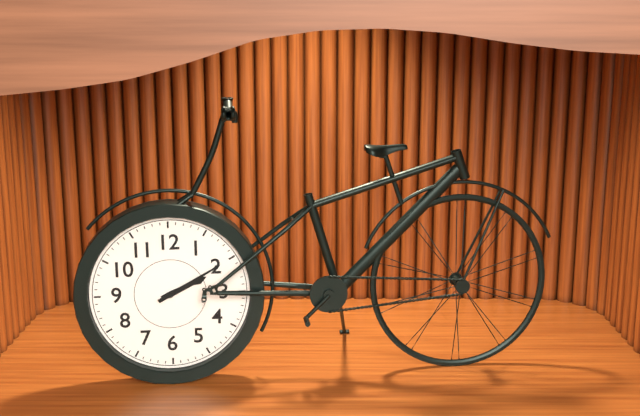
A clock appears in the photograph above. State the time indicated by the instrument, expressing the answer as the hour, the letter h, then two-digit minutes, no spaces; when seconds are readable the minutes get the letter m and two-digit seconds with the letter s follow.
2h10
